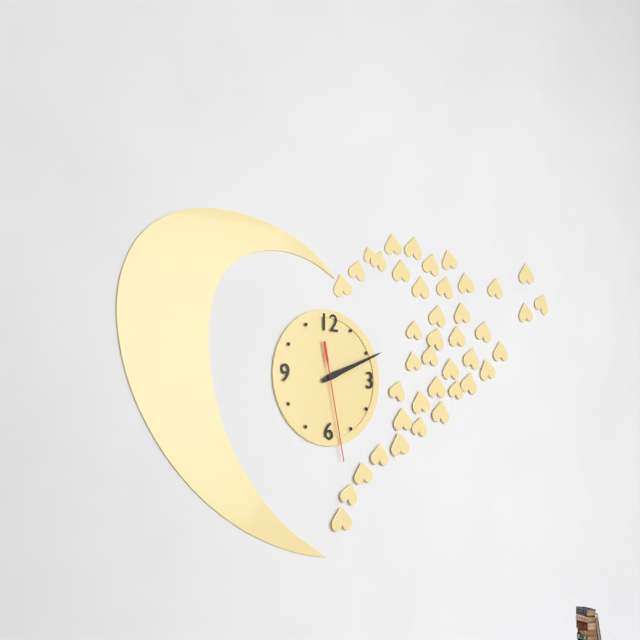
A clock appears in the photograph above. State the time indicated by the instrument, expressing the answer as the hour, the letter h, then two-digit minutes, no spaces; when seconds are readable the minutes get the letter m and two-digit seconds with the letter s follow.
2h11m28s
